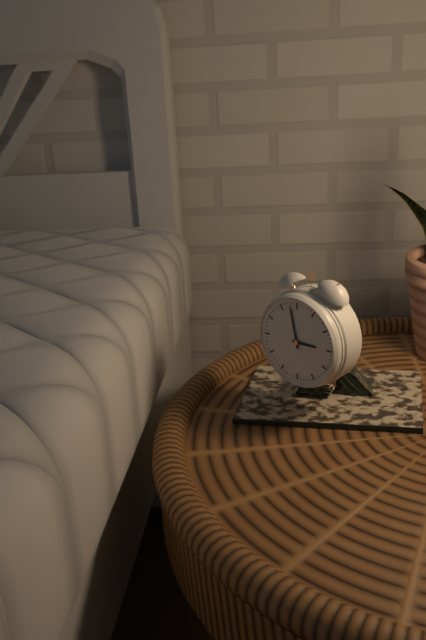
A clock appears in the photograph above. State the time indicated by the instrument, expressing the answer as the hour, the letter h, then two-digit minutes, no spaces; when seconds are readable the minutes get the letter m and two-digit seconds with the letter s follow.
2h58
